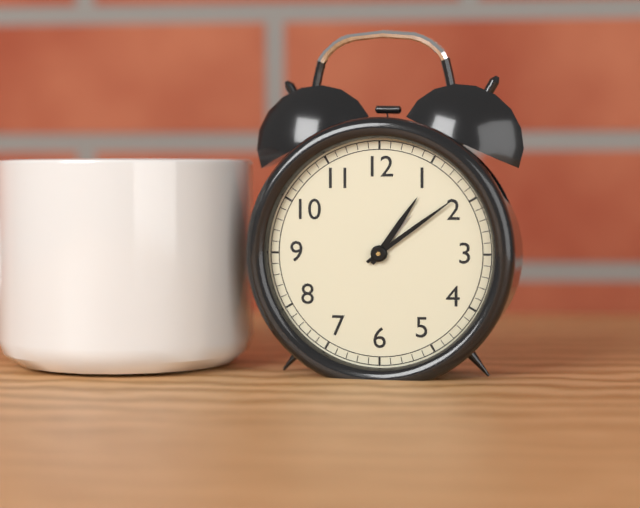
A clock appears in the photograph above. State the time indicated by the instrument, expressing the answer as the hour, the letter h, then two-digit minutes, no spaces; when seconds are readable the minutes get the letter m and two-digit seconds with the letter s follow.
1h09
